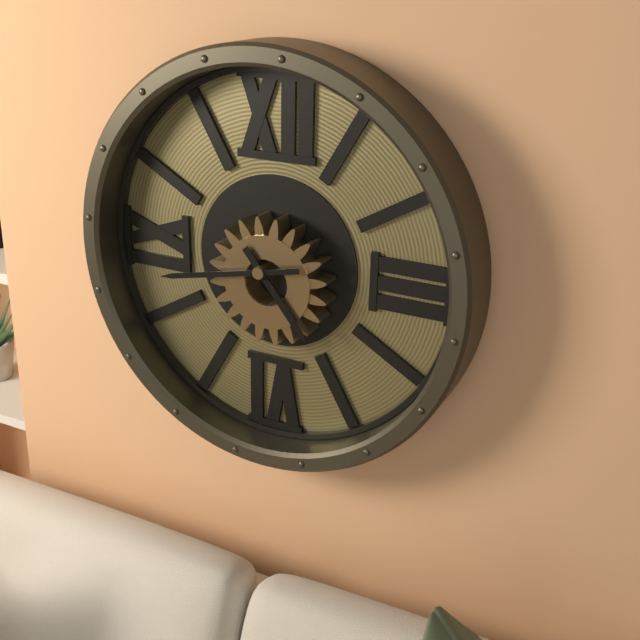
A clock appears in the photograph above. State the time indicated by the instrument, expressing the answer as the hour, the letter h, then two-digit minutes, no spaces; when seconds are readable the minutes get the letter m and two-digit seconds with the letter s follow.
4h43
